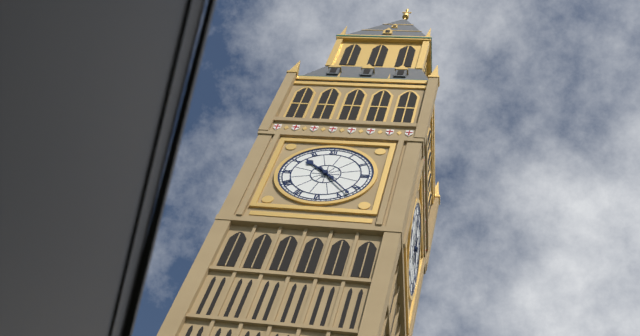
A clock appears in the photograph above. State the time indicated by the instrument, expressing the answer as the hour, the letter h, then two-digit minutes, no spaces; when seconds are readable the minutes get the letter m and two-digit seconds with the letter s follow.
10h23
